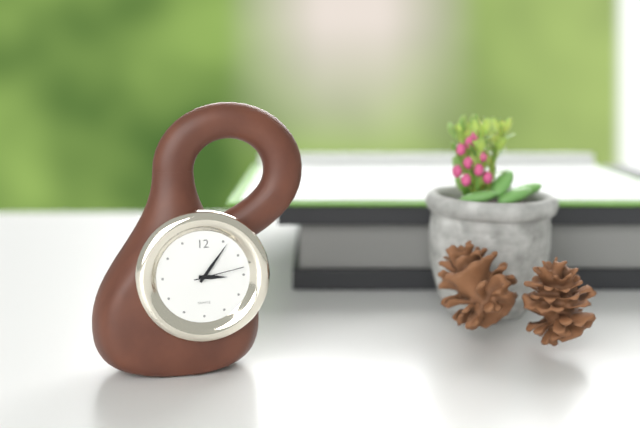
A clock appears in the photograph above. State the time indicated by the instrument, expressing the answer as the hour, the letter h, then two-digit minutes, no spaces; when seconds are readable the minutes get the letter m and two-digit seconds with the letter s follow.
3h06m13s
